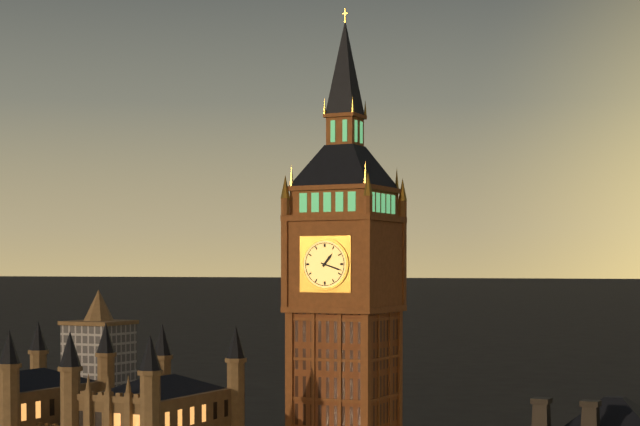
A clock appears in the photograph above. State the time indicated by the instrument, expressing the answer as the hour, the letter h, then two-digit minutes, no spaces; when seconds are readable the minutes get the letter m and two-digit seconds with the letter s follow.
1h18
